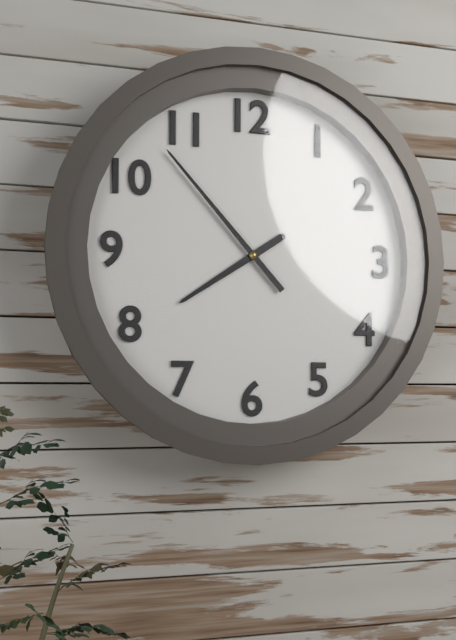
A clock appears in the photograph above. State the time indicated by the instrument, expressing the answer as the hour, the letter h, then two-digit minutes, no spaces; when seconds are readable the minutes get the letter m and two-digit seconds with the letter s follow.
7h53
